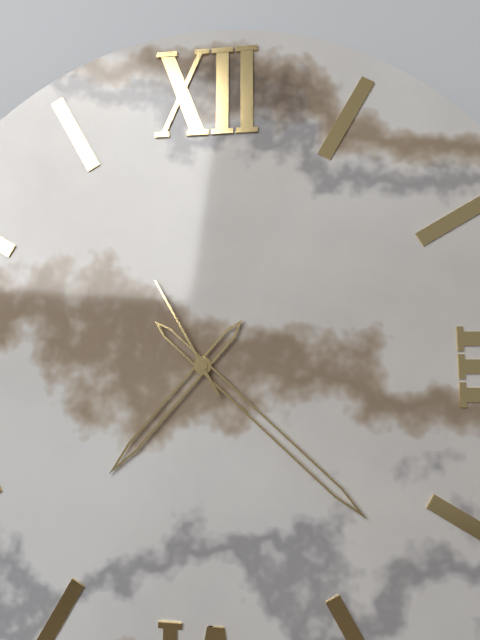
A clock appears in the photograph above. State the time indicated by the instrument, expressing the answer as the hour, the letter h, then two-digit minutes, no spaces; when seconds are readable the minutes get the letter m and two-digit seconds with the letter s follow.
7h22m55s
